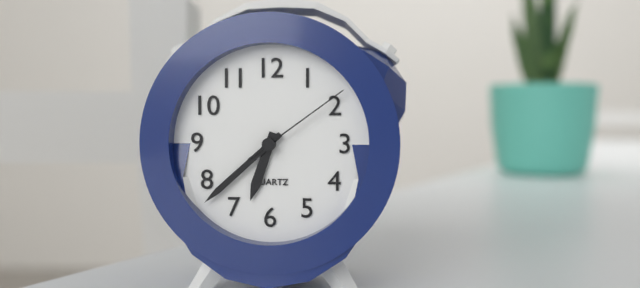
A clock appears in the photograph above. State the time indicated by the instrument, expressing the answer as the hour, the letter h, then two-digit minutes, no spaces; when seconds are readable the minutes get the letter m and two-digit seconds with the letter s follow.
6h38m09s
